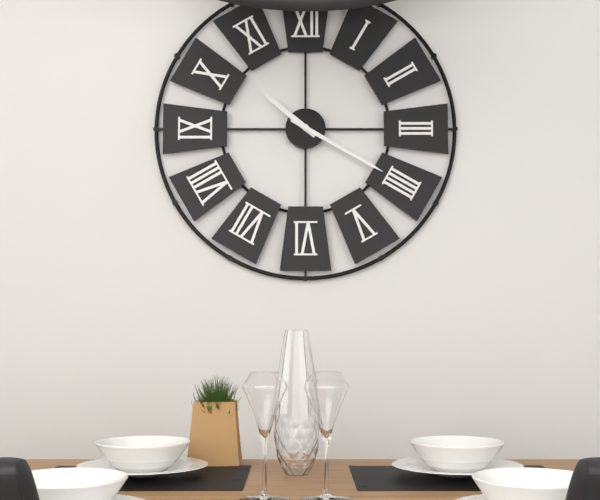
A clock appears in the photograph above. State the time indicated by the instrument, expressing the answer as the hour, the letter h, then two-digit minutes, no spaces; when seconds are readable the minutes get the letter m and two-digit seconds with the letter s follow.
10h20
